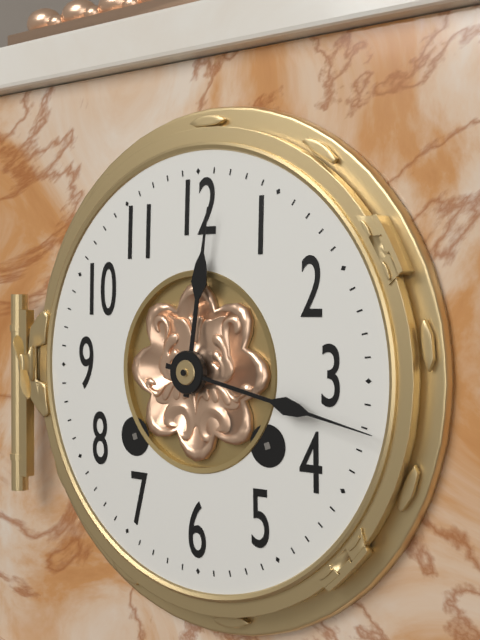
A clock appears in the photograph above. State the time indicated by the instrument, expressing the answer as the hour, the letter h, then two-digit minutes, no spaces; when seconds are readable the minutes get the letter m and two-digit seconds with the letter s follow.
12h17
